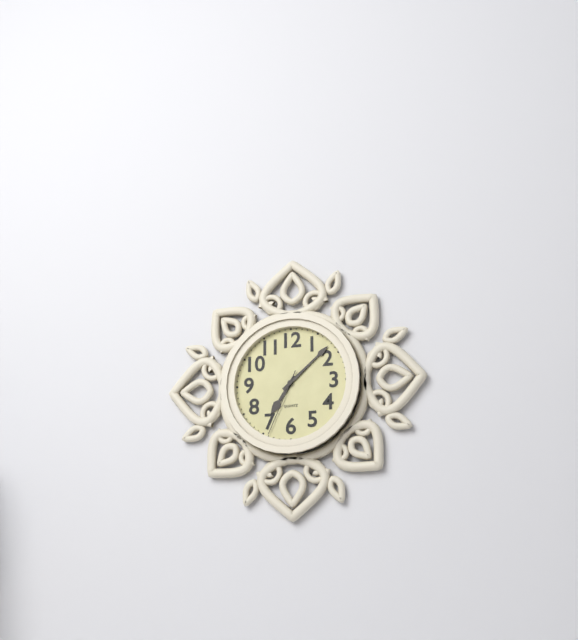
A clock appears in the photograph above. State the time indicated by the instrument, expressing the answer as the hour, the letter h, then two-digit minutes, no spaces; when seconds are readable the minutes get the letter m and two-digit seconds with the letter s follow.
7h08m34s
